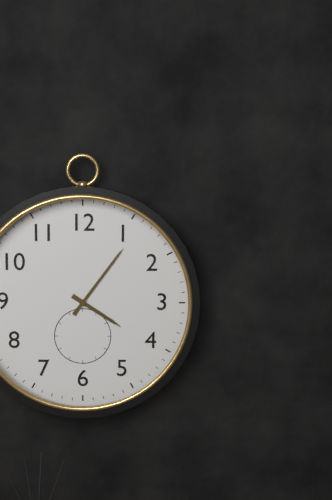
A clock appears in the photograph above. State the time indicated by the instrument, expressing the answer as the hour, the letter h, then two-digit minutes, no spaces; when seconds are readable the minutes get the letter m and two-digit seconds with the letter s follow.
4h06
